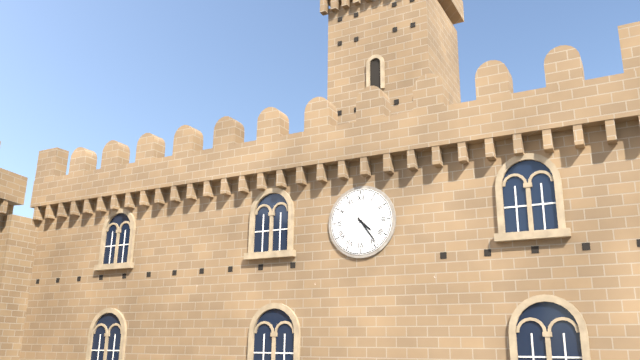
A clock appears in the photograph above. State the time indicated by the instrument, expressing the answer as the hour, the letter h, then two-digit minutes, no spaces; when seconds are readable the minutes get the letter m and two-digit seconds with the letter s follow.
4h24
